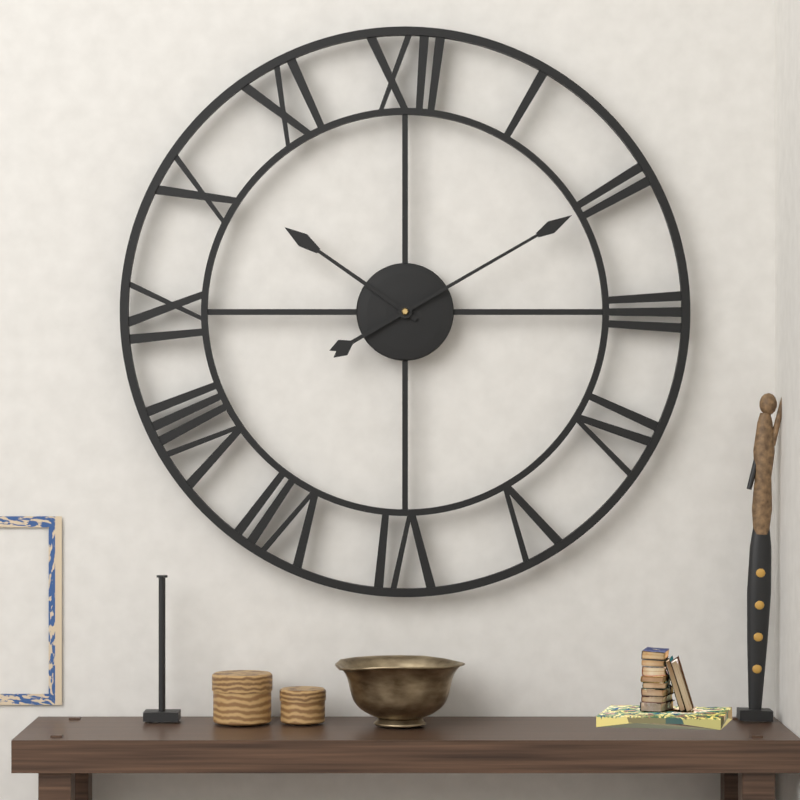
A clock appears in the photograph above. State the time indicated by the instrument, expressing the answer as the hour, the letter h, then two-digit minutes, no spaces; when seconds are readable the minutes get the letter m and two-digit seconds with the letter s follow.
10h10
